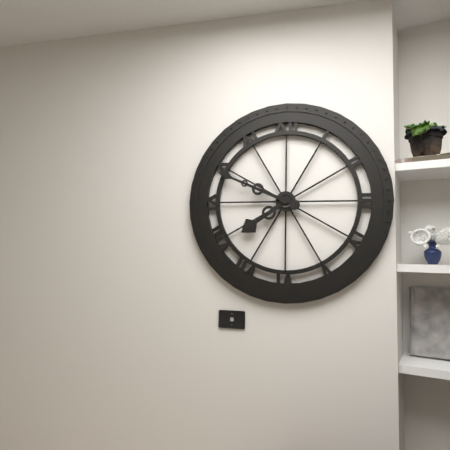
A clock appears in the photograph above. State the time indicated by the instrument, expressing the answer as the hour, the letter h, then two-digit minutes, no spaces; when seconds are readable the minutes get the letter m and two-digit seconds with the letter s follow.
7h49
